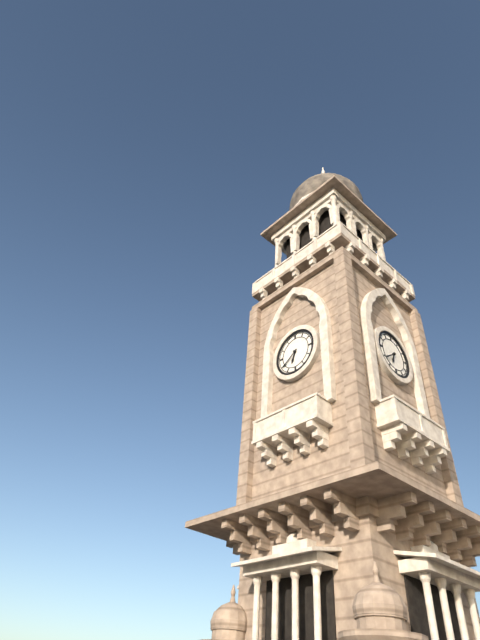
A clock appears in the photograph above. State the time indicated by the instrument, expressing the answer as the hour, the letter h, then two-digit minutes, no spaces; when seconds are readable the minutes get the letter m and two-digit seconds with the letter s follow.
6h39
